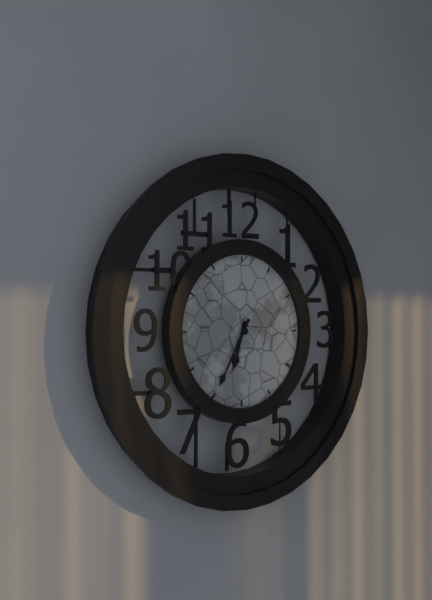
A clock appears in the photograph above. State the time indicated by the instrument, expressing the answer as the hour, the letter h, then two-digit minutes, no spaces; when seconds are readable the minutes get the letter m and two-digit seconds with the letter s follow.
6h35
